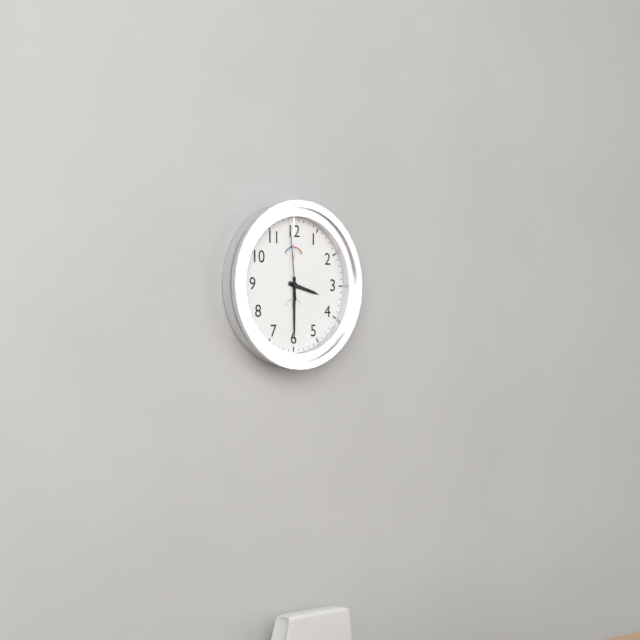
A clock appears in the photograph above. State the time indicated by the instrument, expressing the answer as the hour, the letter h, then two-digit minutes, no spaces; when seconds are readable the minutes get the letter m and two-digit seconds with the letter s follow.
3h30m59s
